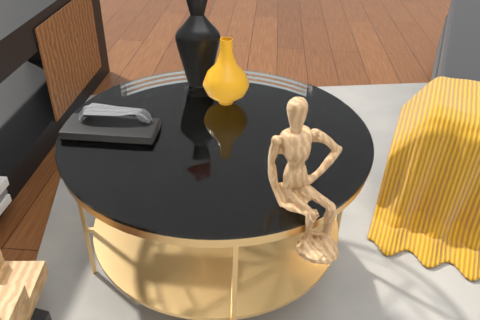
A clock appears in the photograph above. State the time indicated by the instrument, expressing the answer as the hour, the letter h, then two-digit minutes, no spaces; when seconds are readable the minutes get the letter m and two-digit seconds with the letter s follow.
9h57
